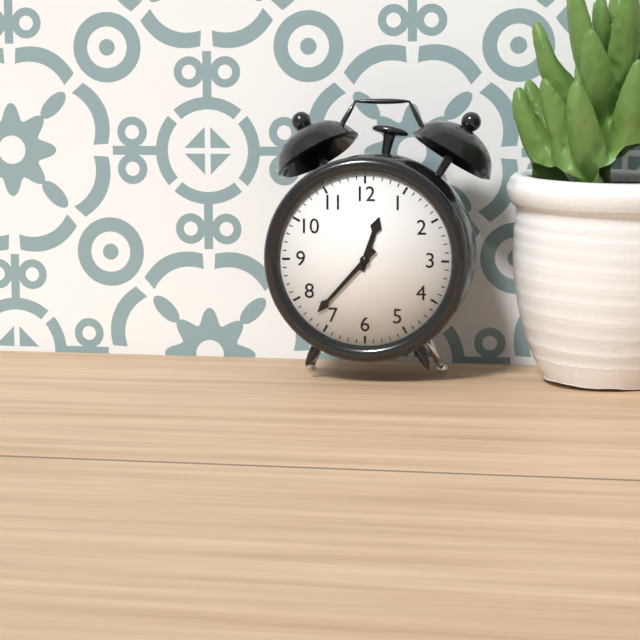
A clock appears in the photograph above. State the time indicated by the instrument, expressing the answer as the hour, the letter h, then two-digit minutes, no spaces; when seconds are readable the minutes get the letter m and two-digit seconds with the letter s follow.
12h37
